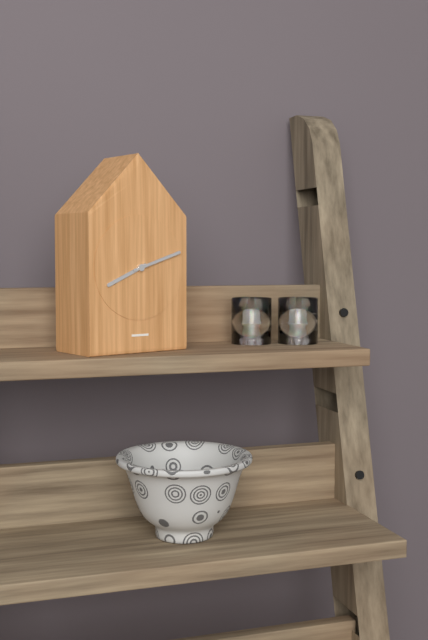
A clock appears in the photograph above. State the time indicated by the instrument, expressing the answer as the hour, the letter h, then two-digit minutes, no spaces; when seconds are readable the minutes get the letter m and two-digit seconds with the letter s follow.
8h12
